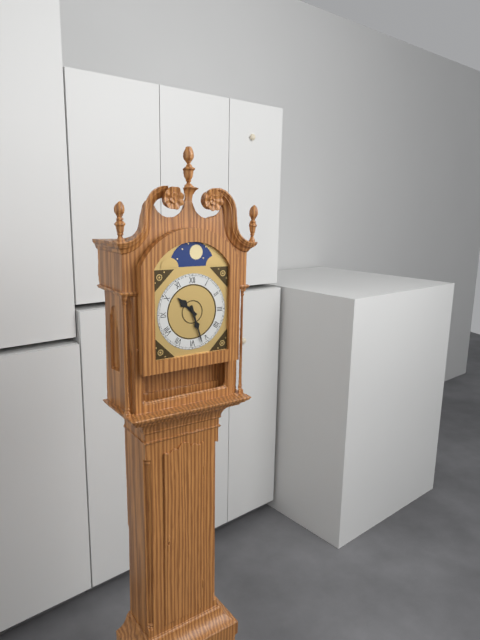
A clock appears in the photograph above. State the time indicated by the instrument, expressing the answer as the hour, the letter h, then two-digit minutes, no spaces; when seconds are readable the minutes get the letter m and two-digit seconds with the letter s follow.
10h27
